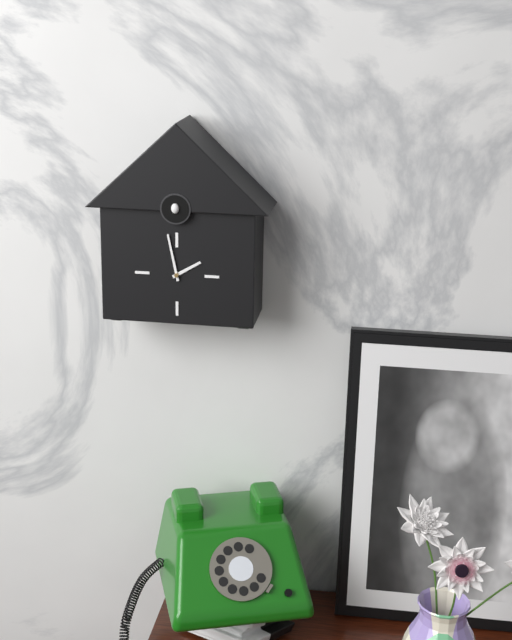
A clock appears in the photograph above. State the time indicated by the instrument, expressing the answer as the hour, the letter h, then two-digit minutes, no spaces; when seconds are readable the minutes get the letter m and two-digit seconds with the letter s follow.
1h58
